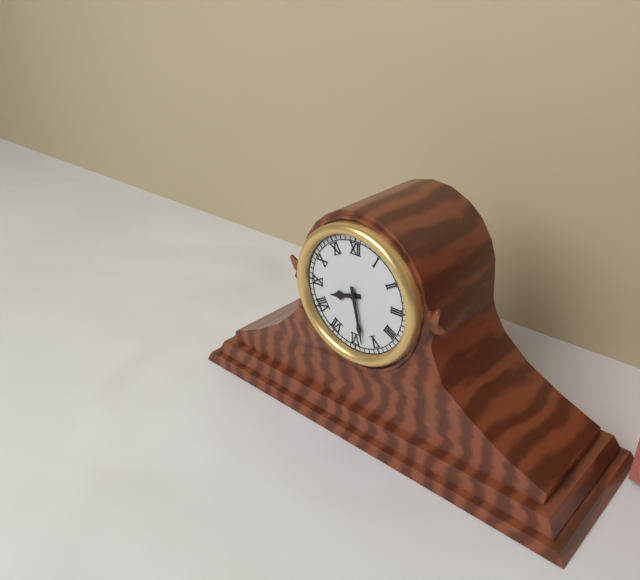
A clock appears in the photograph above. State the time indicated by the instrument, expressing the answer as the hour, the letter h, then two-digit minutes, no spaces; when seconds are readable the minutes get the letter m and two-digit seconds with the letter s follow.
8h28
